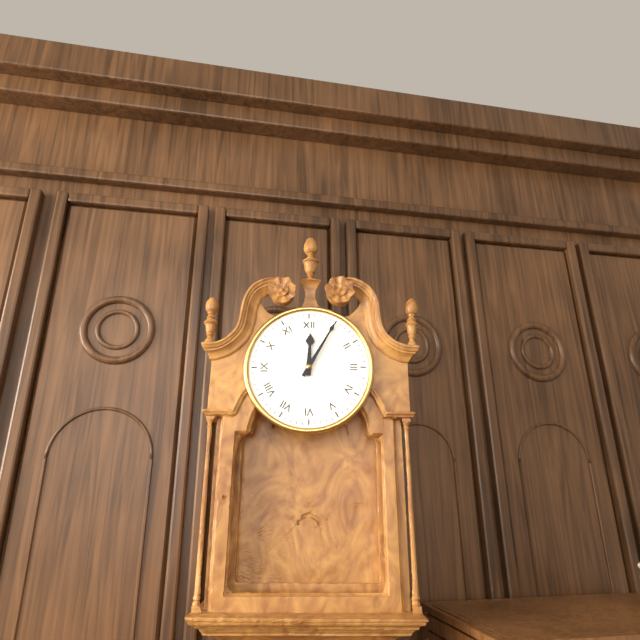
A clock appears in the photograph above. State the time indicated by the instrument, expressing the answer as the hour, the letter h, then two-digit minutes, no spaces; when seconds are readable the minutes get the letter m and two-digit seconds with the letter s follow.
12h05
